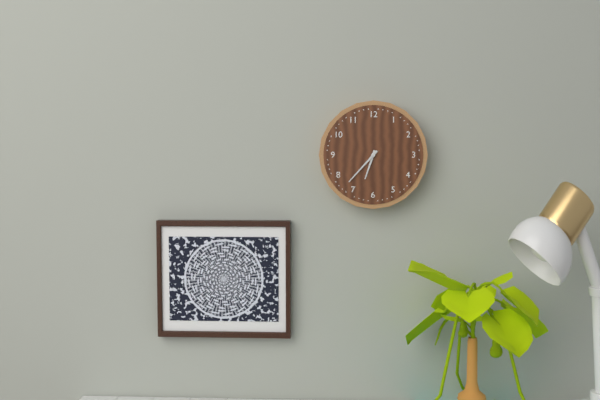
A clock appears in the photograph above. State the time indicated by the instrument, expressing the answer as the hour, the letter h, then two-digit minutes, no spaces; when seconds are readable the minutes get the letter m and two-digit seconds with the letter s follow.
6h37
